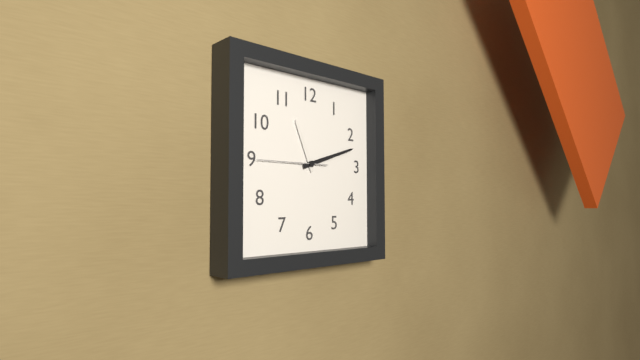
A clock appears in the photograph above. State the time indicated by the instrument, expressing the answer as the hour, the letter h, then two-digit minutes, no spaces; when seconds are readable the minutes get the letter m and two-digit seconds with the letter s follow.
11h12m45s
